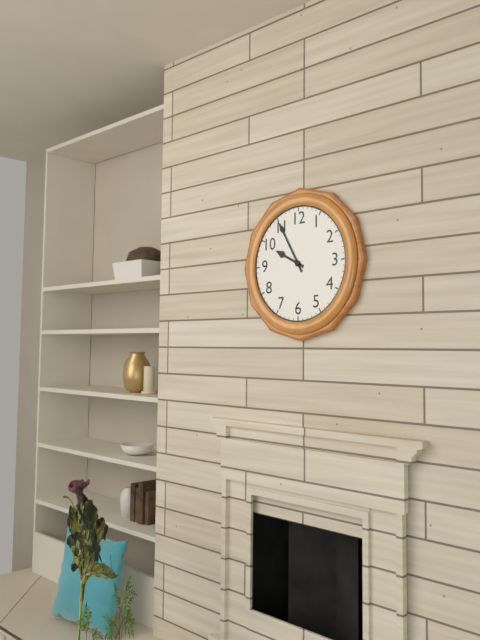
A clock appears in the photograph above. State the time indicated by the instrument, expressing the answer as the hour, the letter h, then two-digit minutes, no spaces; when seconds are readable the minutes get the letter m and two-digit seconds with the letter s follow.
9h55
